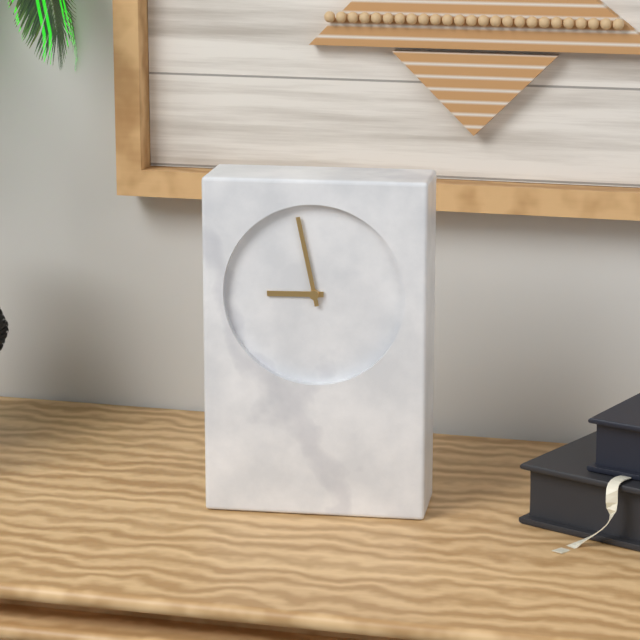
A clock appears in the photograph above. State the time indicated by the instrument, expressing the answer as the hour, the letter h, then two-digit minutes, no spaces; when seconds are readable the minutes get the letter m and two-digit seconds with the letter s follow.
8h58
